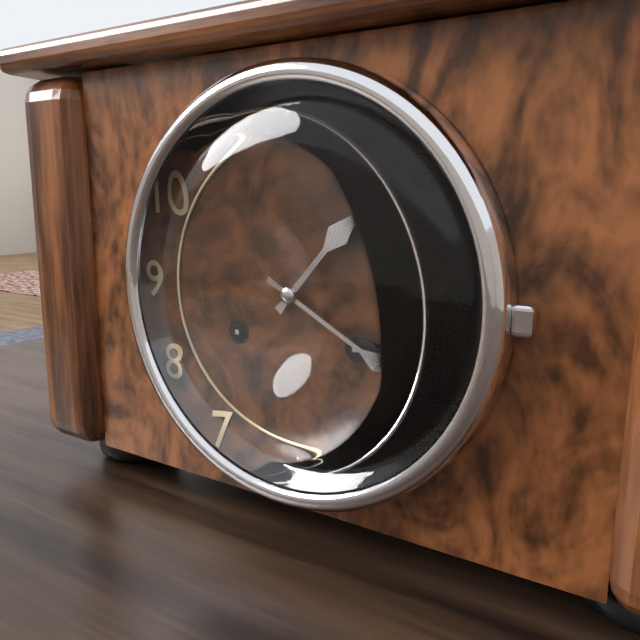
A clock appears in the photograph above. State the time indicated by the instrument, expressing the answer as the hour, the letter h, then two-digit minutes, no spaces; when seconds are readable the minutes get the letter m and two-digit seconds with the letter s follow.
1h20
